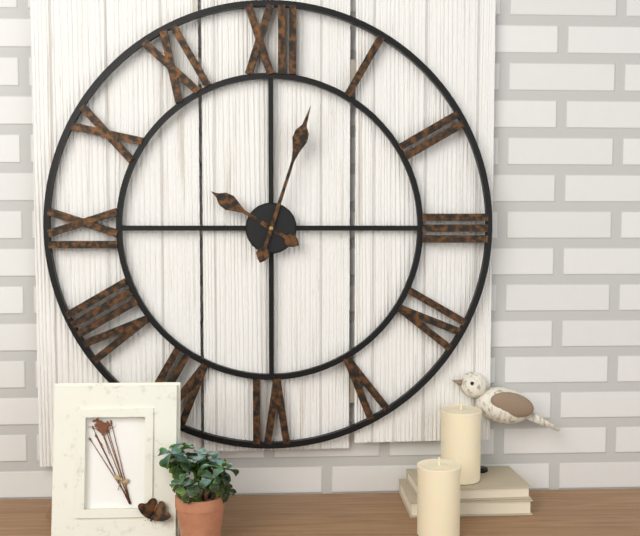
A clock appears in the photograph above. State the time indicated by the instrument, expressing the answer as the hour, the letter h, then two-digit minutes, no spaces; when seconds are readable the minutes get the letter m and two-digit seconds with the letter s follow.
10h03
